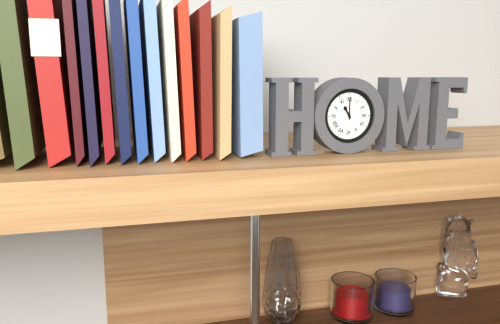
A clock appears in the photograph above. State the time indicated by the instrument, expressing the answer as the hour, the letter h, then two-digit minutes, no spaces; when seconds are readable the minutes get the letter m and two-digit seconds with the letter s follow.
11h00
